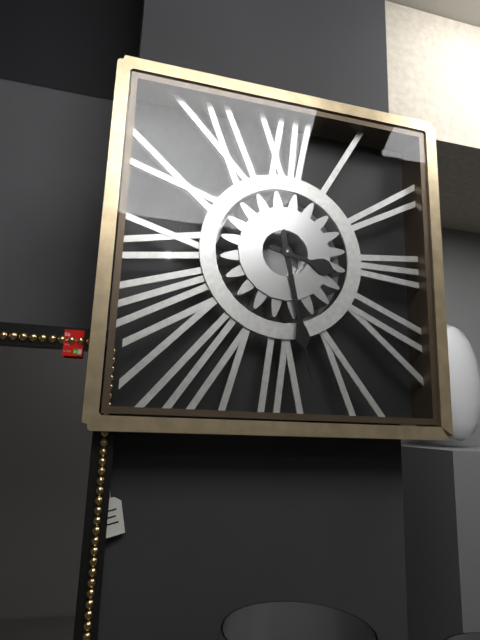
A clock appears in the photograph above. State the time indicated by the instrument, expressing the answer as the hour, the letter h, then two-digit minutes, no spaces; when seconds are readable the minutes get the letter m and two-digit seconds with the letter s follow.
3h28
